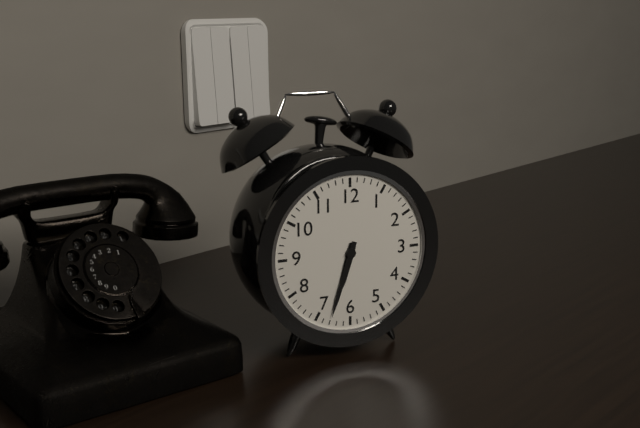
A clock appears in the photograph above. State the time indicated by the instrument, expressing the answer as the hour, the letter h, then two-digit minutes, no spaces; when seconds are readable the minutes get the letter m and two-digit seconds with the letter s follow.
6h33
